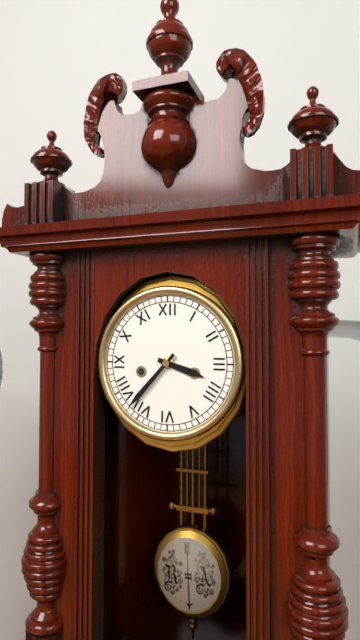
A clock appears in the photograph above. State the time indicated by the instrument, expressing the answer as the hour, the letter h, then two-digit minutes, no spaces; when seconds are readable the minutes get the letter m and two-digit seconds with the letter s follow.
3h37
